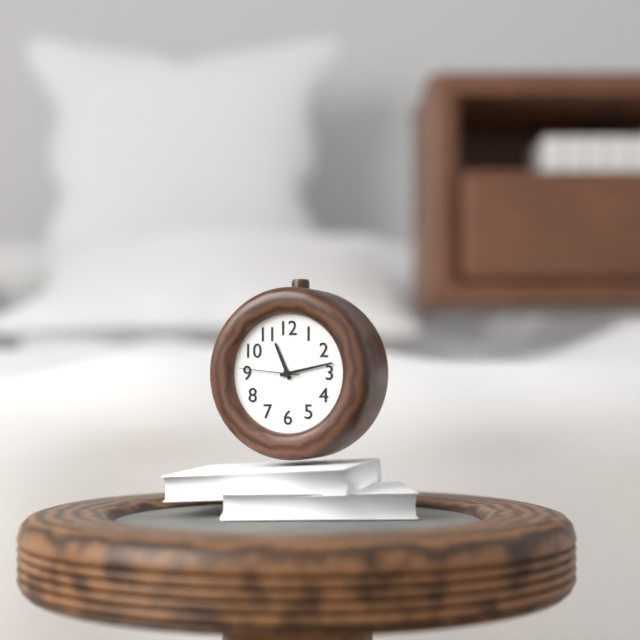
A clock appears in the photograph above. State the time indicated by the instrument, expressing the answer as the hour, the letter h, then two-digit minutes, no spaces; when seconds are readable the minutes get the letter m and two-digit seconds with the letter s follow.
11h13m46s
